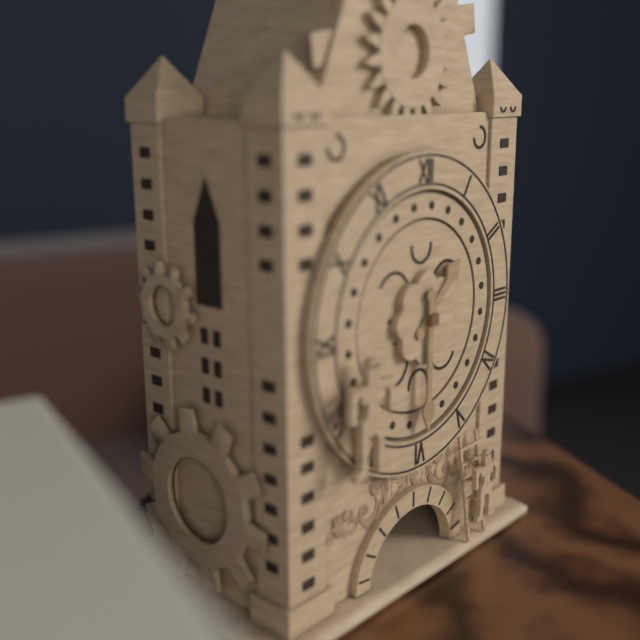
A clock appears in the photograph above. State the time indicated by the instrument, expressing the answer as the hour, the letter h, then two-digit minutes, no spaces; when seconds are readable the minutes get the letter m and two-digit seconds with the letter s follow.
1h30
